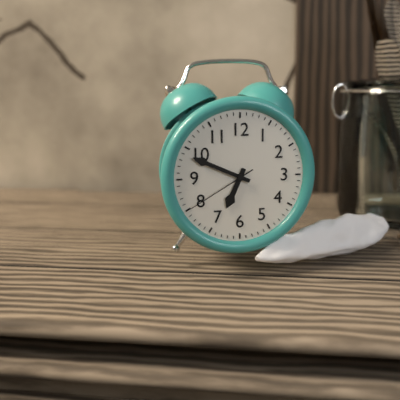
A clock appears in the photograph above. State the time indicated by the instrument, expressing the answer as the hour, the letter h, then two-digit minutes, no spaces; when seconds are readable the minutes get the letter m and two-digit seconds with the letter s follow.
6h49m40s
